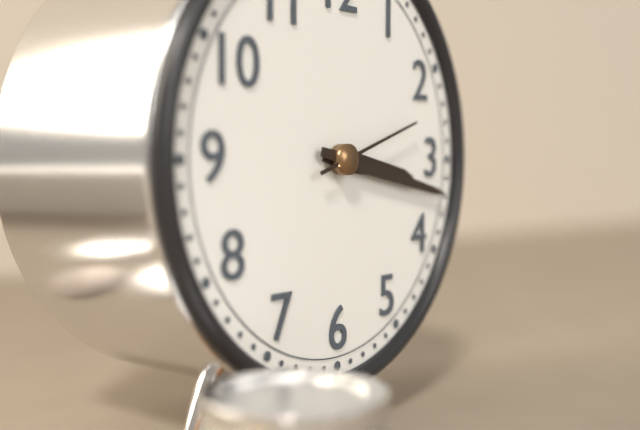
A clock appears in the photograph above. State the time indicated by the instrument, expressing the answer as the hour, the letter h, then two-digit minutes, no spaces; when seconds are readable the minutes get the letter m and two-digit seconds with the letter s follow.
3h17m12s
